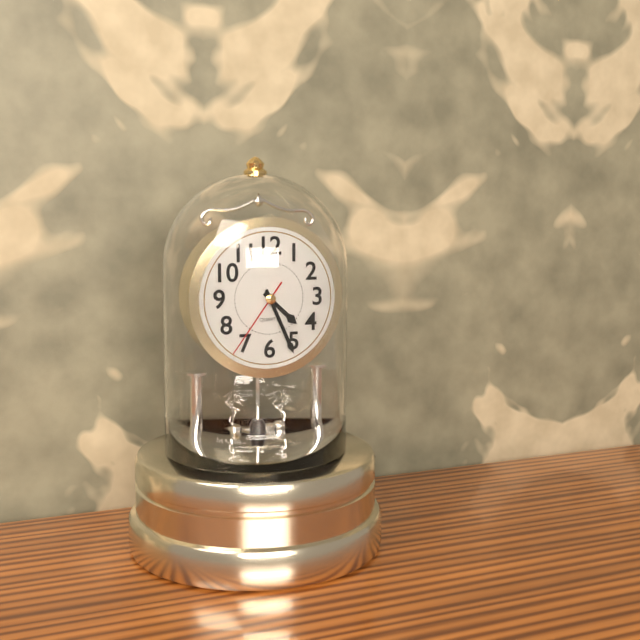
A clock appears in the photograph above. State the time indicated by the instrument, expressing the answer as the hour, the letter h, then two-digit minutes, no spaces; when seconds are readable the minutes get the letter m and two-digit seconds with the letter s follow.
4h26m36s
